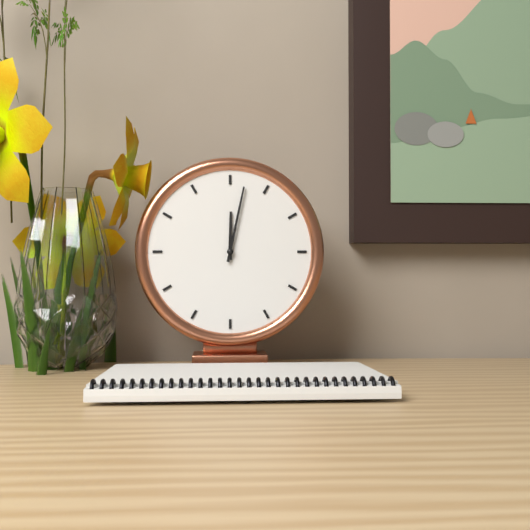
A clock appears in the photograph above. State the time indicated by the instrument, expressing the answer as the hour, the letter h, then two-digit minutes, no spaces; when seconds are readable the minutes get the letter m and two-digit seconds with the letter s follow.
12h02
